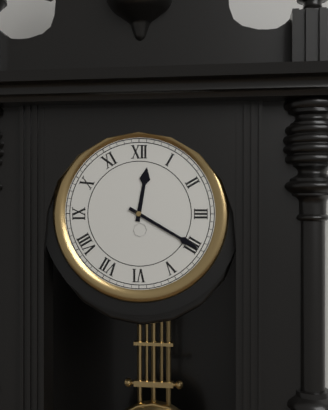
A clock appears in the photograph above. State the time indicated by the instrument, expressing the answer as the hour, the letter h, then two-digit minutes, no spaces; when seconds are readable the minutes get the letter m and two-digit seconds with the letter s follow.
12h20
